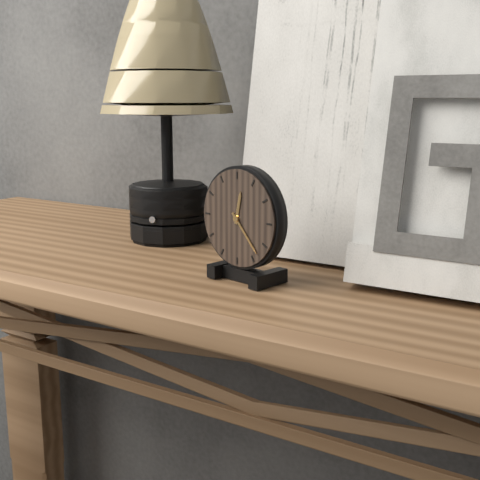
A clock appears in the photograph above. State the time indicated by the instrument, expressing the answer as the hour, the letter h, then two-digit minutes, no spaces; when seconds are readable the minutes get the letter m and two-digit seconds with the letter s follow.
12h23
